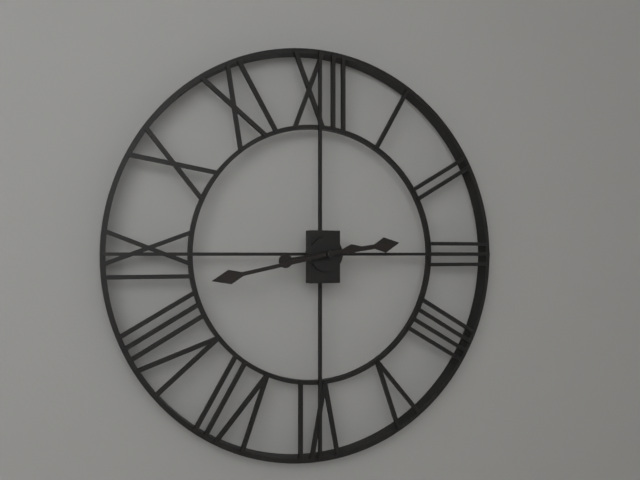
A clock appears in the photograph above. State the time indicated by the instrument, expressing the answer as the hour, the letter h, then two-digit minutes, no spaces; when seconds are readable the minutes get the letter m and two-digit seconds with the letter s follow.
2h43
